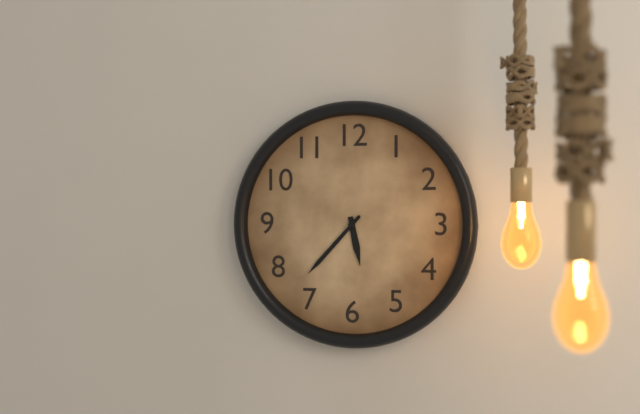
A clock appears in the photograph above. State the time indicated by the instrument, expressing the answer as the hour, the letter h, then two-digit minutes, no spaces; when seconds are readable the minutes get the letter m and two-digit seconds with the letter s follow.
5h37
